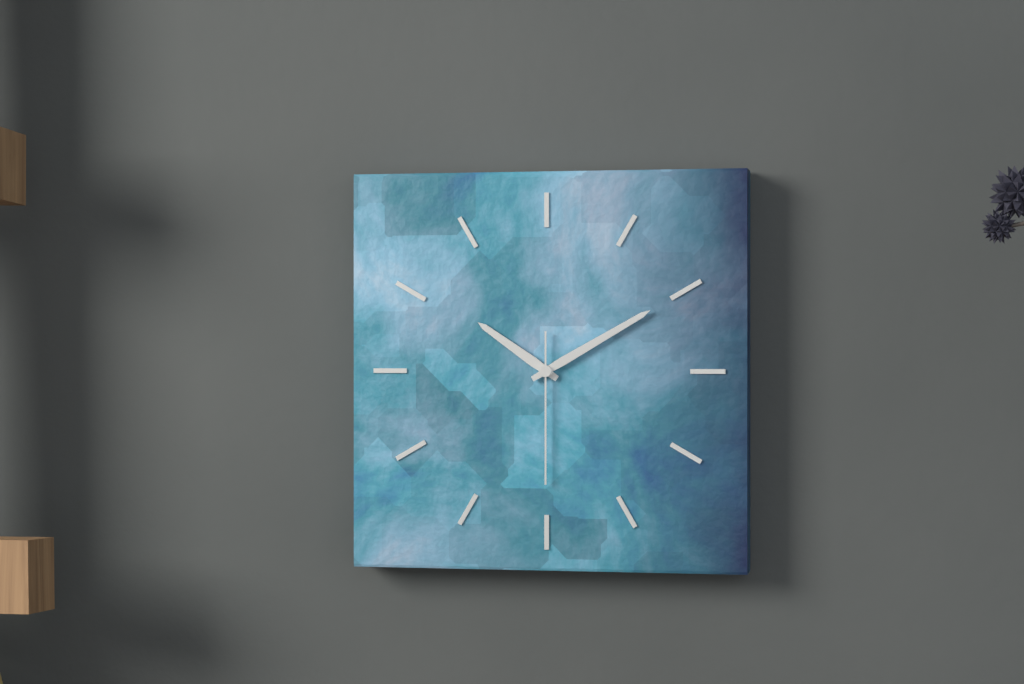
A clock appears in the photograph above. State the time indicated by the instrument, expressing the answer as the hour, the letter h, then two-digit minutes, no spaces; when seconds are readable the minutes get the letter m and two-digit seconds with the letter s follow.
10h10m30s
